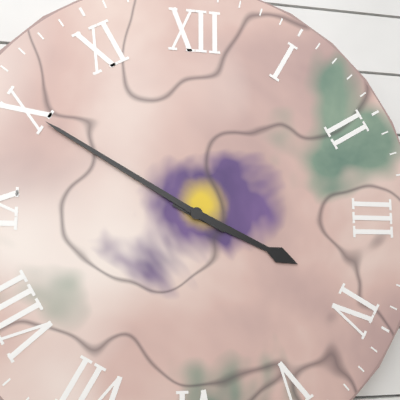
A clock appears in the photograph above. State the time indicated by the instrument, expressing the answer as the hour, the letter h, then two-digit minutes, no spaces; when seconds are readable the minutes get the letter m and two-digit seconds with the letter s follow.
3h50
